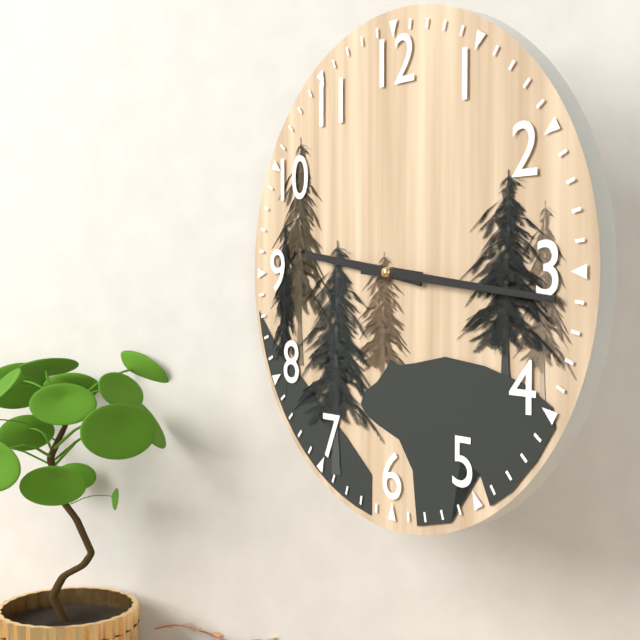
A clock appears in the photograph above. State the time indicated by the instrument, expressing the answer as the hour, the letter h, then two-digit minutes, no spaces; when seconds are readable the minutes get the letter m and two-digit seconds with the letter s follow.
9h16
